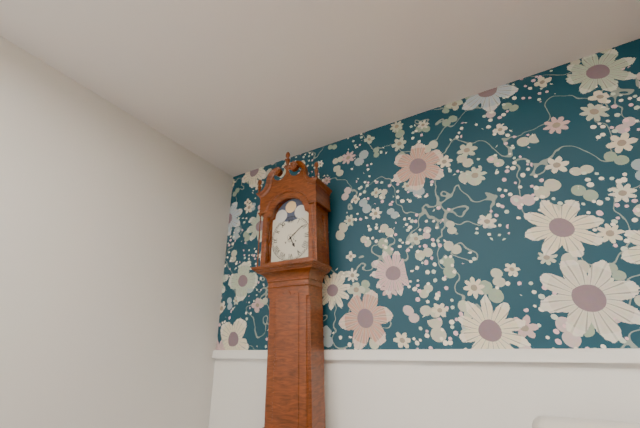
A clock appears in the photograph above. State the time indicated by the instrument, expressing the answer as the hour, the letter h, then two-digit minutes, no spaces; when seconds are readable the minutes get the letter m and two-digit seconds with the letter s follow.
5h09
